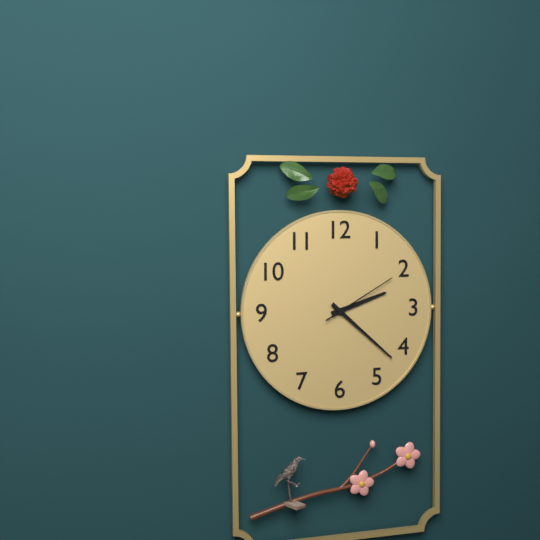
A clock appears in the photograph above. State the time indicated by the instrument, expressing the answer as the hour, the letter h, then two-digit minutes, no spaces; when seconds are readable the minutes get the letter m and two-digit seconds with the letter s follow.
2h22m10s
